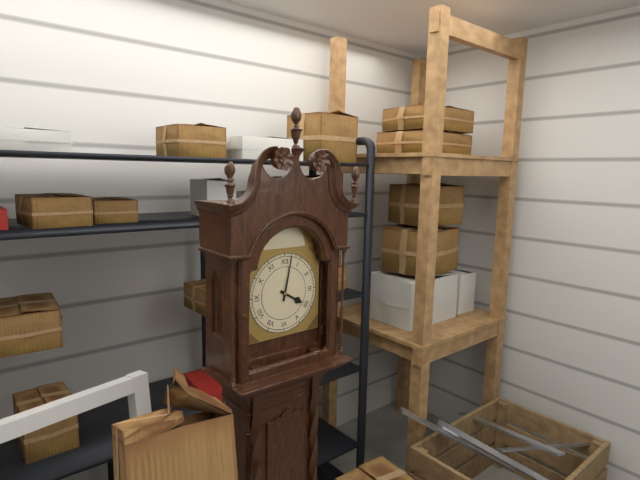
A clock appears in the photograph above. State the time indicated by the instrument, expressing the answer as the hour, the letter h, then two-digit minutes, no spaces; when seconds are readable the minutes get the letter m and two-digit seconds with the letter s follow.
4h02
